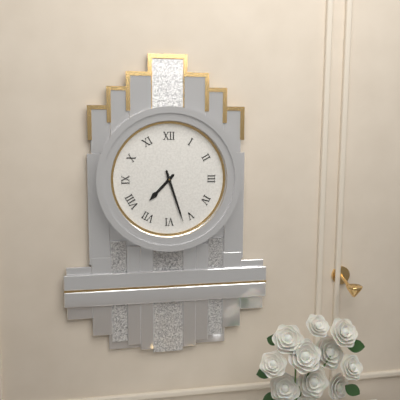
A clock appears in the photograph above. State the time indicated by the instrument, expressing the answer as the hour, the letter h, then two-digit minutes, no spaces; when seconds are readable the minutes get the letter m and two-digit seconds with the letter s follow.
7h27
